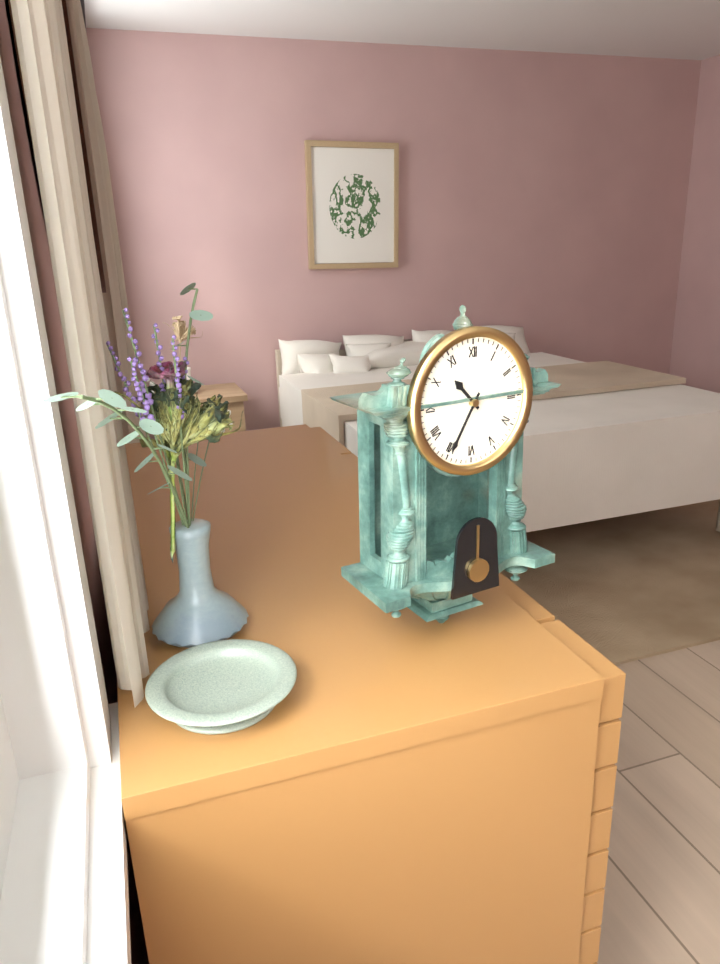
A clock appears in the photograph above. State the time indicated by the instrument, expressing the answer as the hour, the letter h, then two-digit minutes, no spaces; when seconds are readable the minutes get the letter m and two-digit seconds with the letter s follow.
10h35
